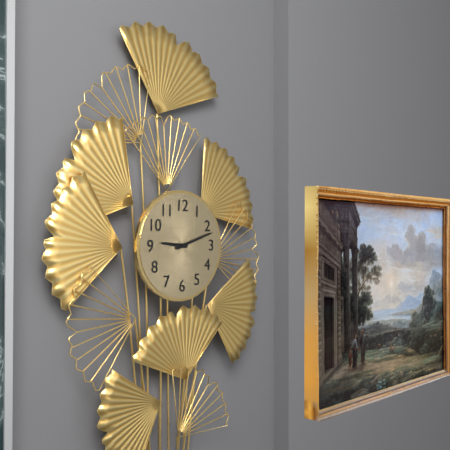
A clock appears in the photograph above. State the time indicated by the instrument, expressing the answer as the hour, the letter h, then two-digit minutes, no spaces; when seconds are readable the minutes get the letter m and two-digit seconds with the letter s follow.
9h12
